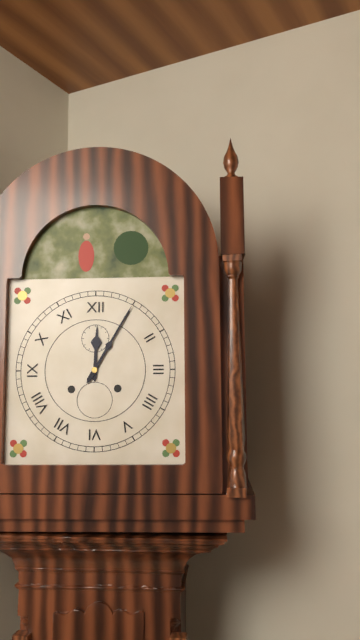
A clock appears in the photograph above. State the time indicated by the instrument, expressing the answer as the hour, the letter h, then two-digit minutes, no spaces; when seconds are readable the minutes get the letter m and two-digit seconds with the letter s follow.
12h05
